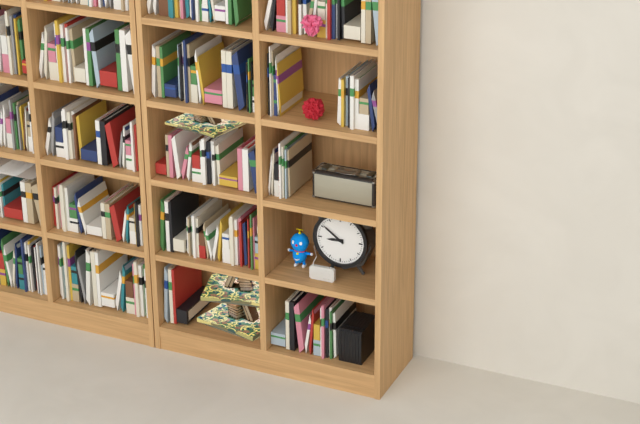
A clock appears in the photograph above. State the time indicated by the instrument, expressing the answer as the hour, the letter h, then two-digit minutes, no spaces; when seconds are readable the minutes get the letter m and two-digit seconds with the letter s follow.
8h51
